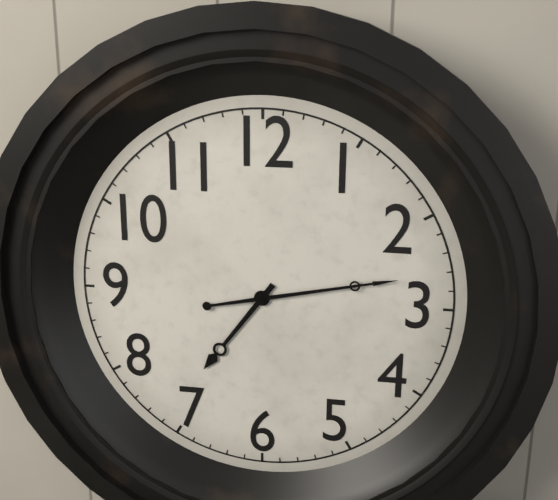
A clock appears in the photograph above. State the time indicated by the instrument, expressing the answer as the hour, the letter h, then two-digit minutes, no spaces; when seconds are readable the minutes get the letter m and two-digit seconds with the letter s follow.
7h13
